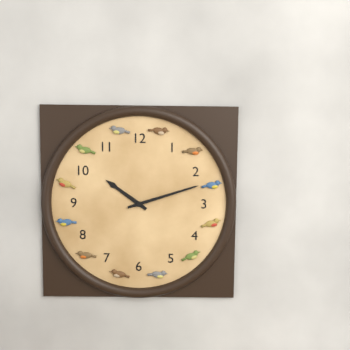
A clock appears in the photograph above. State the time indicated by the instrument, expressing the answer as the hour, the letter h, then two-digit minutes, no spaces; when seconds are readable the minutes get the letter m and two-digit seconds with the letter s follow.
10h12
